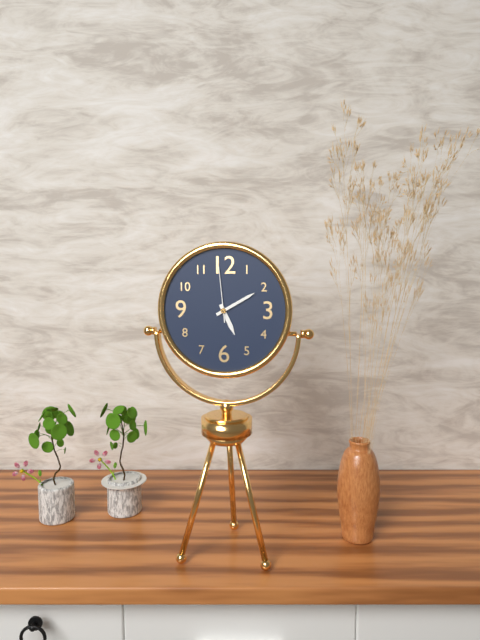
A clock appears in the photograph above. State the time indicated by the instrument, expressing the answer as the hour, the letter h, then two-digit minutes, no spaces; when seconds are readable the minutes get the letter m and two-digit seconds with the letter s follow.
5h10m59s
